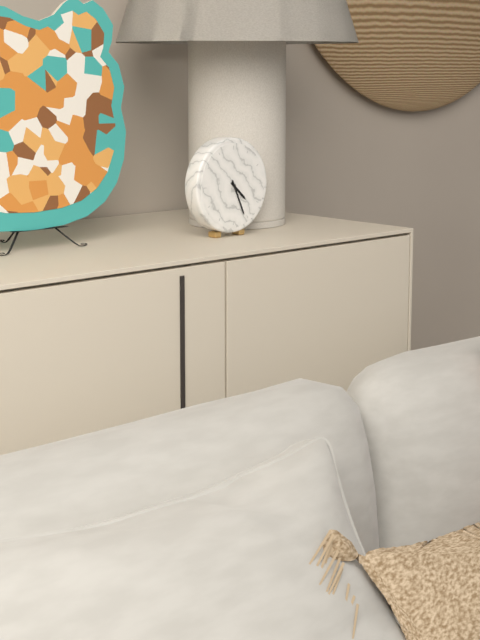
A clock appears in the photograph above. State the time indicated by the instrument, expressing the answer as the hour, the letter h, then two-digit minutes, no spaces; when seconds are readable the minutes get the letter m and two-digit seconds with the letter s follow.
4h26
